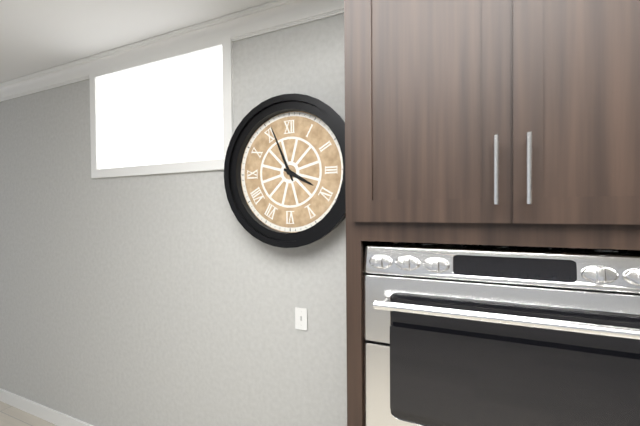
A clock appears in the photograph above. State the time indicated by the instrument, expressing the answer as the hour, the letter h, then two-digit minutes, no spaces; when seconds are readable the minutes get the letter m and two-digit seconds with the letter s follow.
3h56
